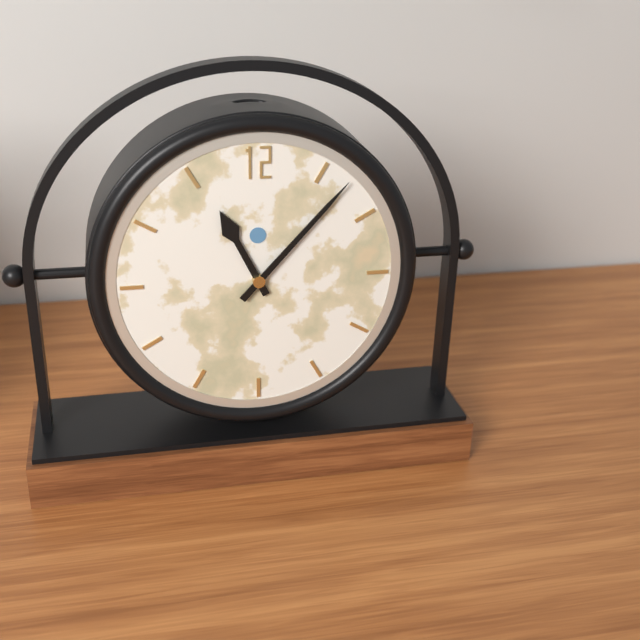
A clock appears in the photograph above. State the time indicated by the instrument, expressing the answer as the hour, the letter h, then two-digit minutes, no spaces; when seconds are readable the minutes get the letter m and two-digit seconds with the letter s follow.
11h07
